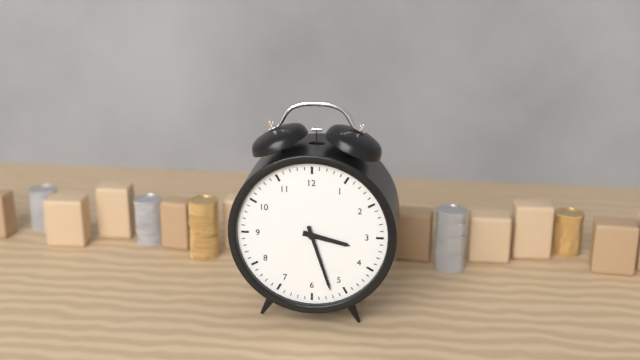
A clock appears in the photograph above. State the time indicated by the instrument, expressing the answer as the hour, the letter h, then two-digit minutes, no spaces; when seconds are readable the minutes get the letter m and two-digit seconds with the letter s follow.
3h27
